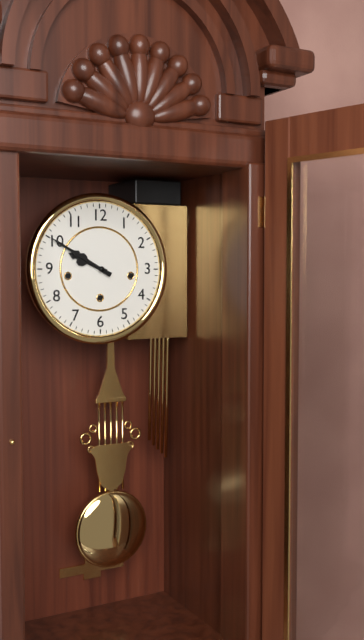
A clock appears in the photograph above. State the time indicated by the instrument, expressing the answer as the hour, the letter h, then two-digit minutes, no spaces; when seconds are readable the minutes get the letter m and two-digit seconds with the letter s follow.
9h50
